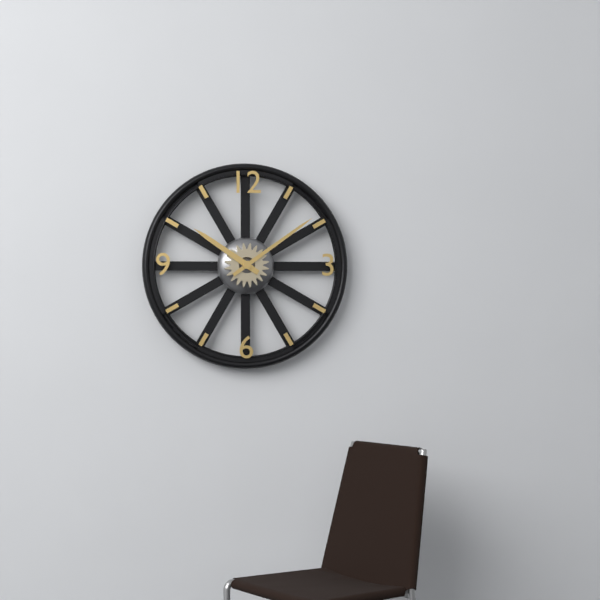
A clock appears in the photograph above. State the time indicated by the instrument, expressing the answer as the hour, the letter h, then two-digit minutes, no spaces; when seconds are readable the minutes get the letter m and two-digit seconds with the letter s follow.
10h09
